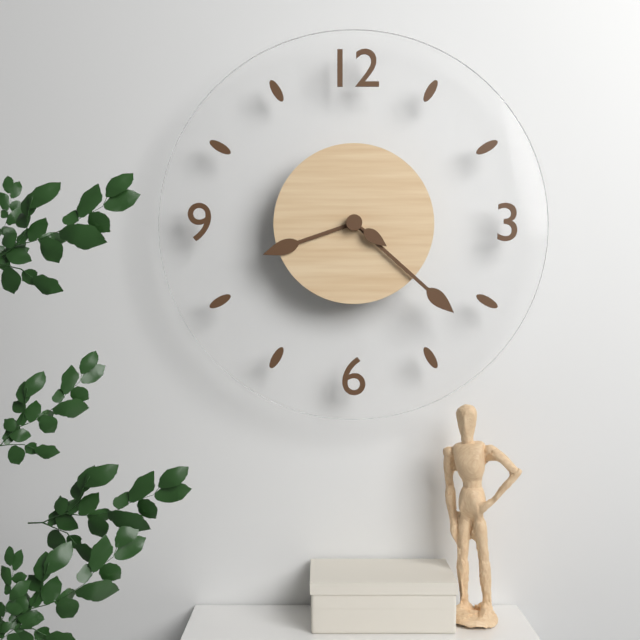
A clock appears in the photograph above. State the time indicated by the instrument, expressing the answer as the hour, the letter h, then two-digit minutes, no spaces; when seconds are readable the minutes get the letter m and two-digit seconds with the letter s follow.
8h22
